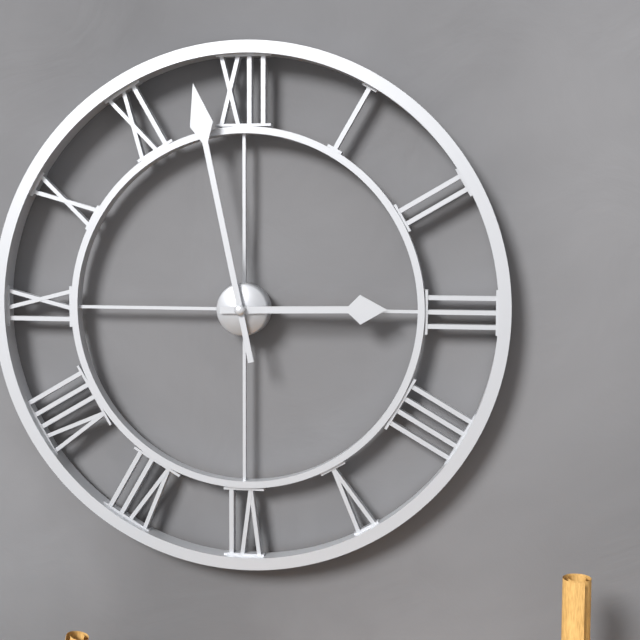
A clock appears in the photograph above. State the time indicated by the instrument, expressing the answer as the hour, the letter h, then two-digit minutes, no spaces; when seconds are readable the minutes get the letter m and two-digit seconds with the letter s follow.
2h58
